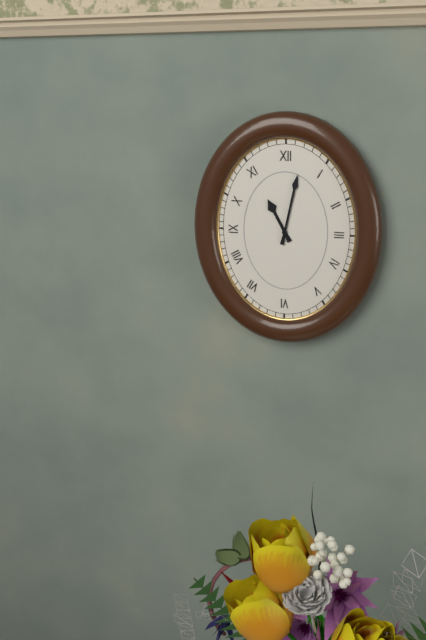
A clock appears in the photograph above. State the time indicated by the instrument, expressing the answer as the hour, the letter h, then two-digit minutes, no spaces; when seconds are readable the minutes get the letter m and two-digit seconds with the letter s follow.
11h02
